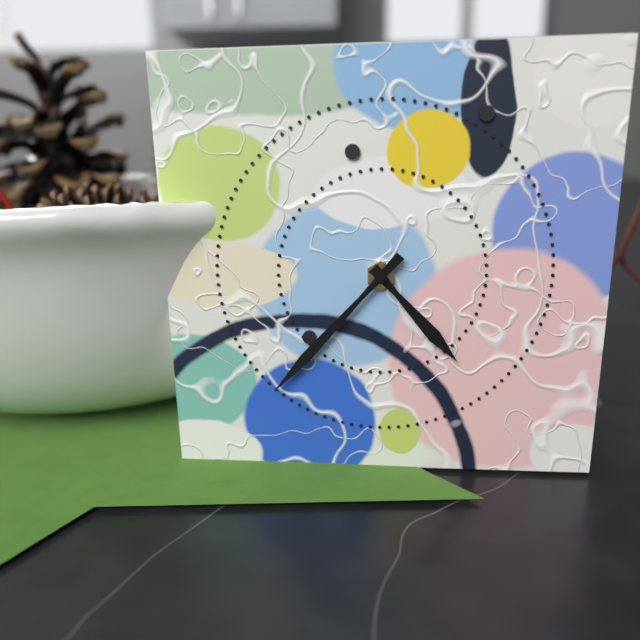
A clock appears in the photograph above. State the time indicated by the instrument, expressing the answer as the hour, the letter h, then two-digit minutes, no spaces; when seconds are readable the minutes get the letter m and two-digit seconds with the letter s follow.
4h37
